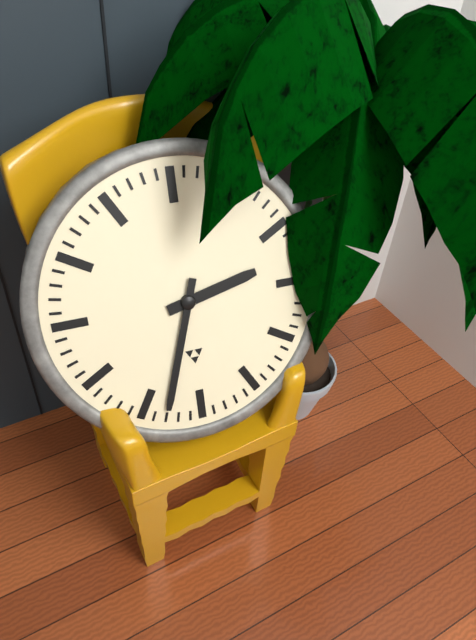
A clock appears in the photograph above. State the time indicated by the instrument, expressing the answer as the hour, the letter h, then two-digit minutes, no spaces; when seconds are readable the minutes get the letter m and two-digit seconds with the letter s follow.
2h33
